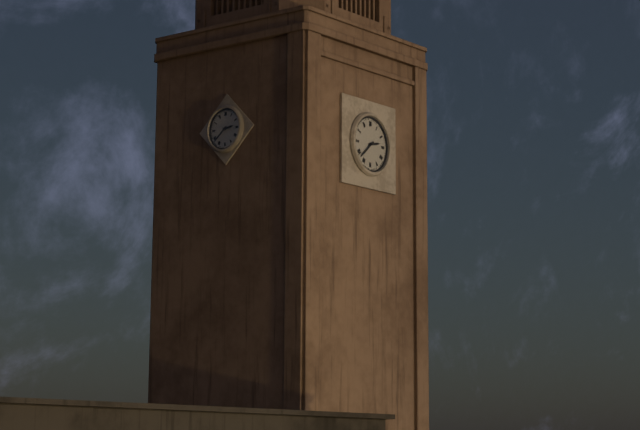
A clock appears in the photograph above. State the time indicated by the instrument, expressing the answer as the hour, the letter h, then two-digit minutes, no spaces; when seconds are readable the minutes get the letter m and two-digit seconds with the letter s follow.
2h38
